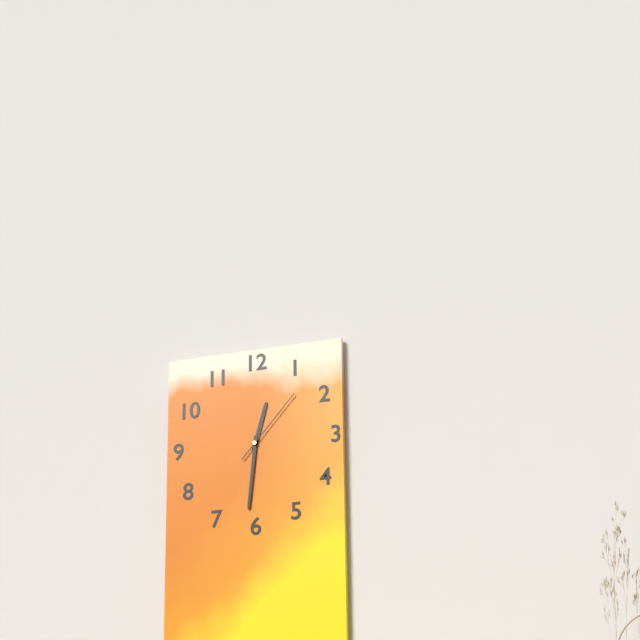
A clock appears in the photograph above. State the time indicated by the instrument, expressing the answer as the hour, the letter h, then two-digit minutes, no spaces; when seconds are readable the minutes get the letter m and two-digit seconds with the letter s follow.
12h31m07s
